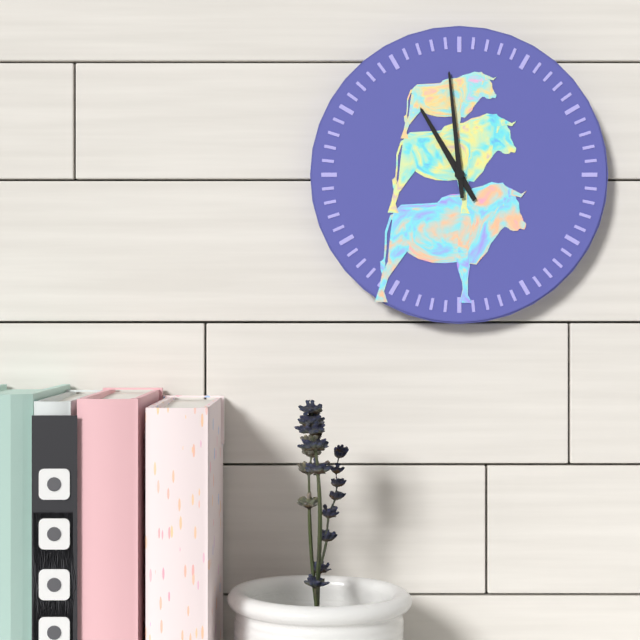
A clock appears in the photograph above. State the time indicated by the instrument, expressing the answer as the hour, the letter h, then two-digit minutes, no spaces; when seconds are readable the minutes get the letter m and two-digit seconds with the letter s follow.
10h59
